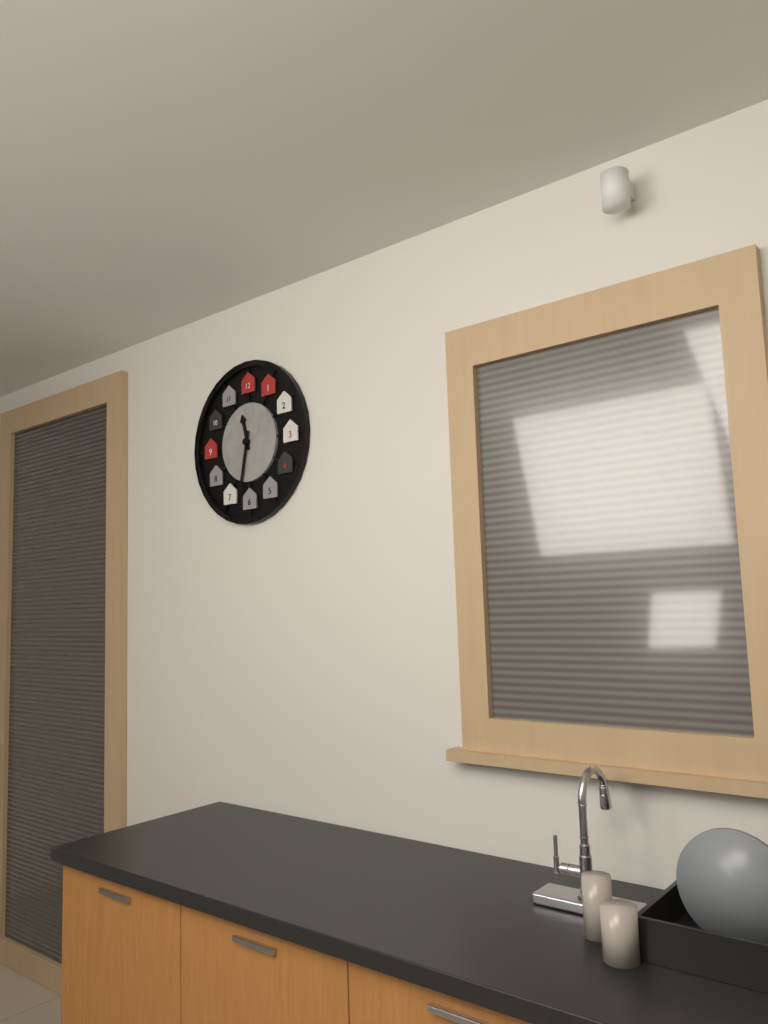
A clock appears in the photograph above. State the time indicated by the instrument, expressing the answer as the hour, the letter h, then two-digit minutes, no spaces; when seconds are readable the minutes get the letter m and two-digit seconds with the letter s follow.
11h32
